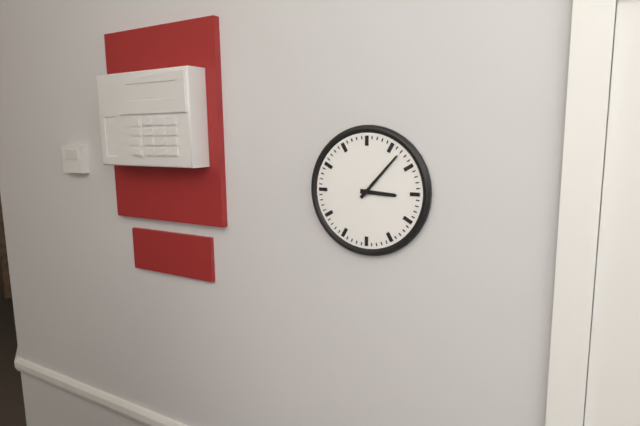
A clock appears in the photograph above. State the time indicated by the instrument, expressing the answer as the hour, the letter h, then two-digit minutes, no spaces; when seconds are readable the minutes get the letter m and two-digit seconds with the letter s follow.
3h07
